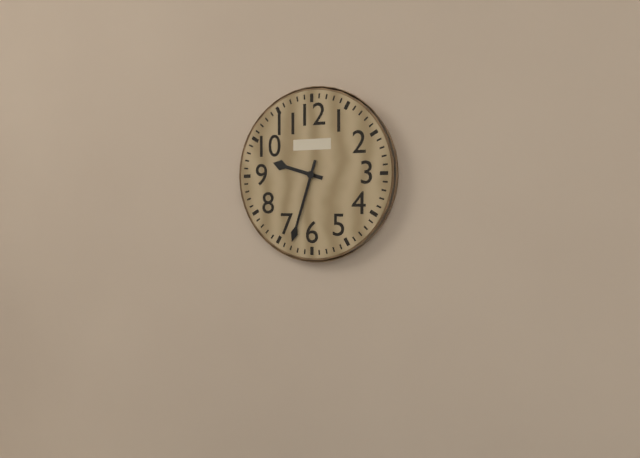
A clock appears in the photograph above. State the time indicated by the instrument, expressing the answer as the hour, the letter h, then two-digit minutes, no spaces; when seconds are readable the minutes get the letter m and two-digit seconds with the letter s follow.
9h33
